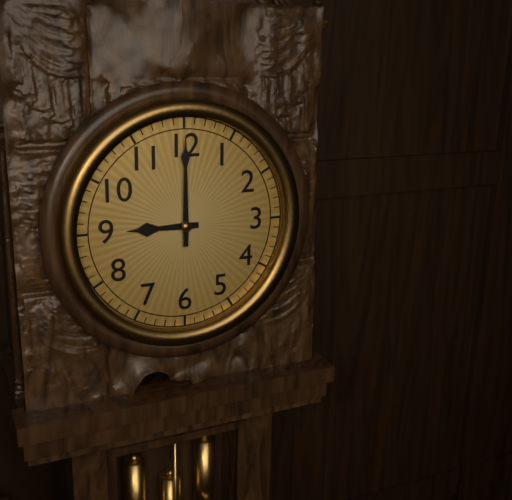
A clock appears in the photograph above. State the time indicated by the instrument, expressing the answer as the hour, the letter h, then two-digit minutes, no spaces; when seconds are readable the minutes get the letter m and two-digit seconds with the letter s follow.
9h00
